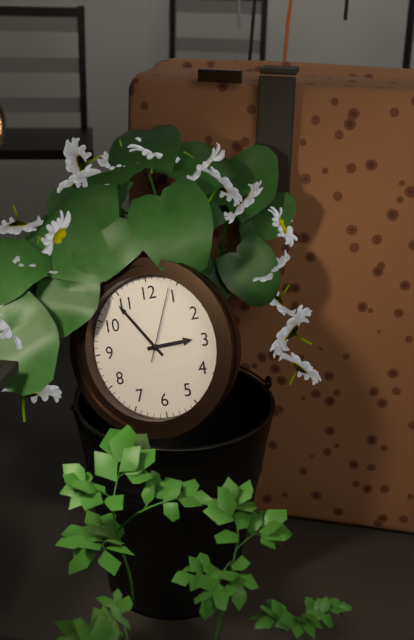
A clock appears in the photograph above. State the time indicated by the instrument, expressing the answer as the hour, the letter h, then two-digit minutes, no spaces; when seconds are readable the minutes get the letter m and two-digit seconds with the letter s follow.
2h54m04s
